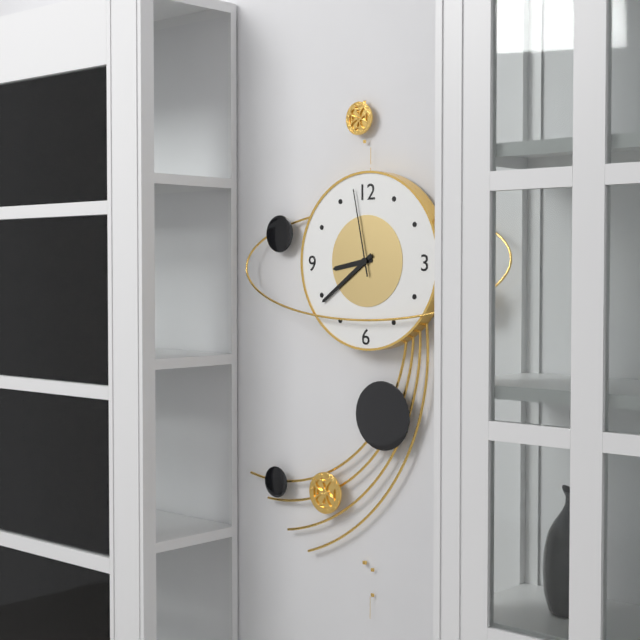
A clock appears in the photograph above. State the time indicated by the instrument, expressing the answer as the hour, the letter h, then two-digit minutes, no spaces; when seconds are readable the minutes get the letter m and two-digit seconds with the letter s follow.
8h39m58s
